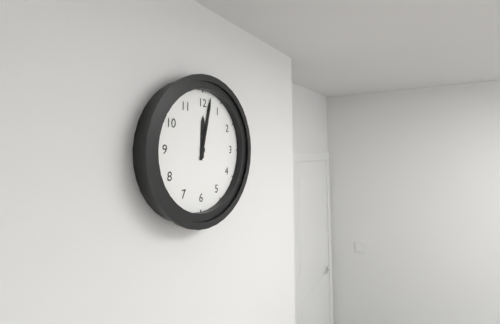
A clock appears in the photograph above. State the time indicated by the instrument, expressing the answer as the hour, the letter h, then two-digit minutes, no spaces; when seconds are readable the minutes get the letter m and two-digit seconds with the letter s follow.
12h02
